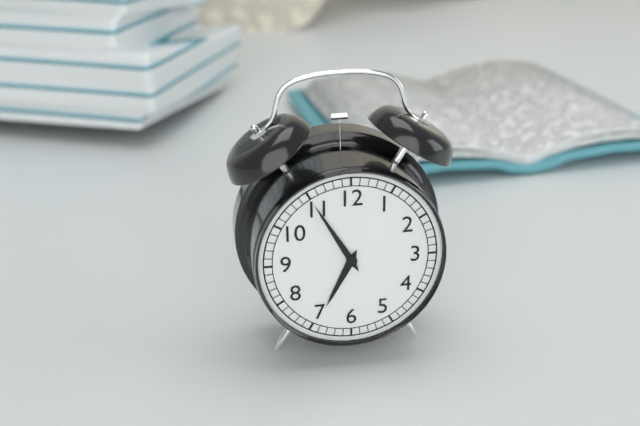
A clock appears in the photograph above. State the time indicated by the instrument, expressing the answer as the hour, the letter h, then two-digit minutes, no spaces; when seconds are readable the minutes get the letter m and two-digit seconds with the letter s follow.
6h55
